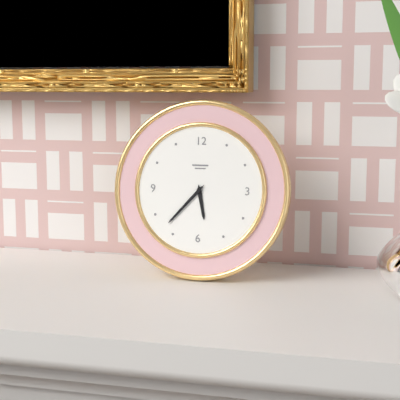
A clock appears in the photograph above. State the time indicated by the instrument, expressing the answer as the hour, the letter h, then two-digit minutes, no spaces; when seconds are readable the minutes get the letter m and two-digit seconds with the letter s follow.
5h37
